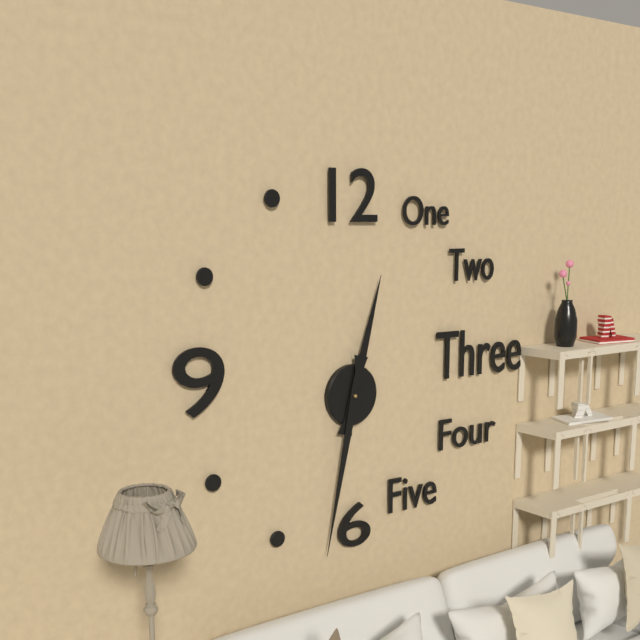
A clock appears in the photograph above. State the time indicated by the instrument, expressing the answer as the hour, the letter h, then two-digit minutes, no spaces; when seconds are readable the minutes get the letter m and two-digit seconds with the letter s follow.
12h32
